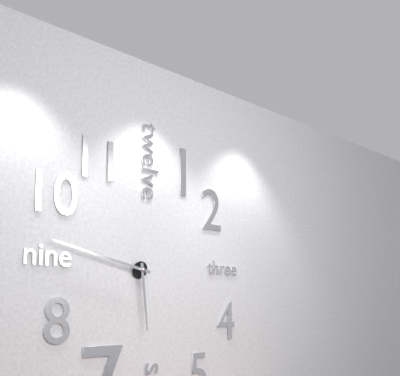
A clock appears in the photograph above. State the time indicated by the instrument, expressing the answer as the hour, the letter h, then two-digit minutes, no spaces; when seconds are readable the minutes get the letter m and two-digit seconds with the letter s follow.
5h47
